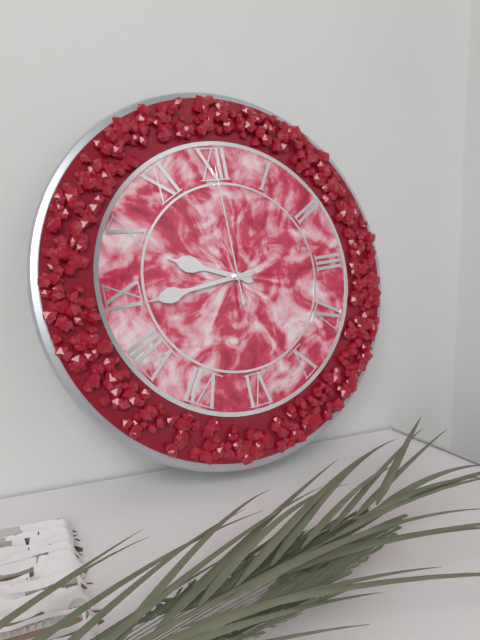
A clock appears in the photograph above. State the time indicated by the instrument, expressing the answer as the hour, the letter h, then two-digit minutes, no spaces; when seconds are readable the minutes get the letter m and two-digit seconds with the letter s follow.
9h44m00s
